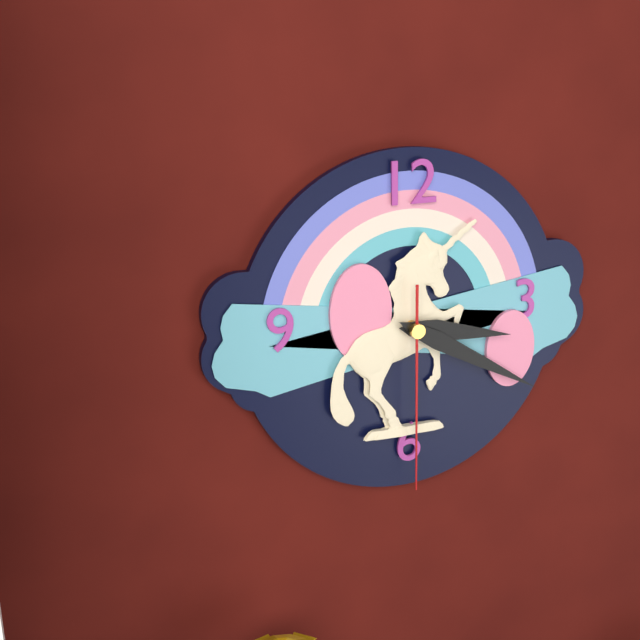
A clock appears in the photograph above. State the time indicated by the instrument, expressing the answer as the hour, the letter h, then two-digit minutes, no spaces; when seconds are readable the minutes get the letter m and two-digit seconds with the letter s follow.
3h20m30s
